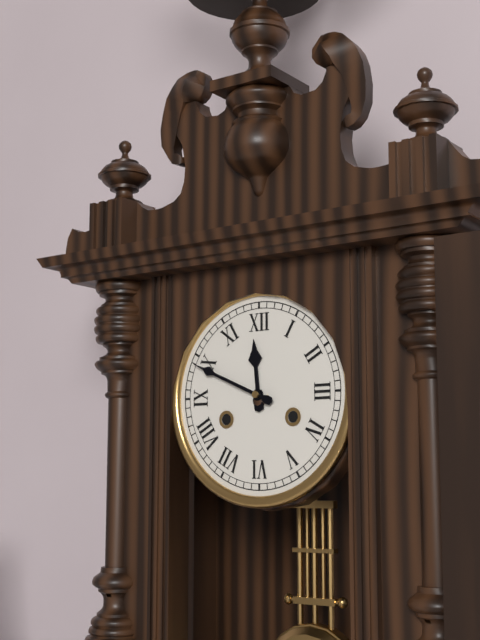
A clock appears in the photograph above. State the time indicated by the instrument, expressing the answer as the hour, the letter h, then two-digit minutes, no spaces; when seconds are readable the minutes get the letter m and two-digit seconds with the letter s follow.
11h49
